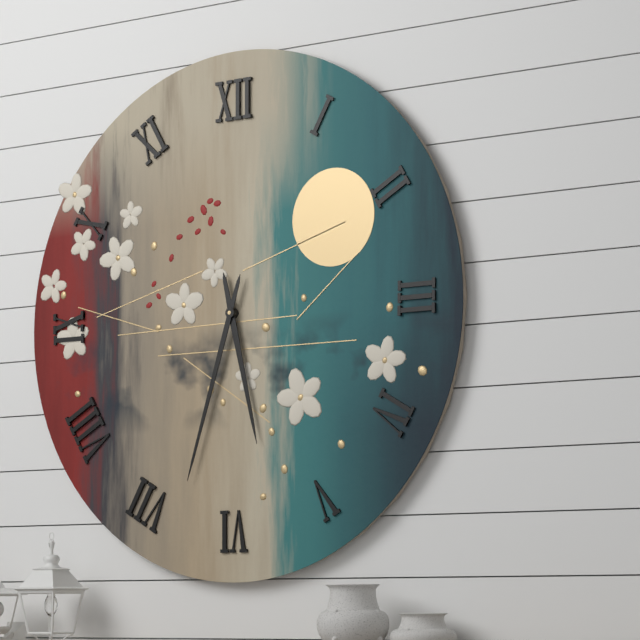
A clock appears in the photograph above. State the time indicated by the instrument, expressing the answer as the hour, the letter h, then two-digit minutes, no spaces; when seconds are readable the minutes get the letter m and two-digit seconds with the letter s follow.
5h33
